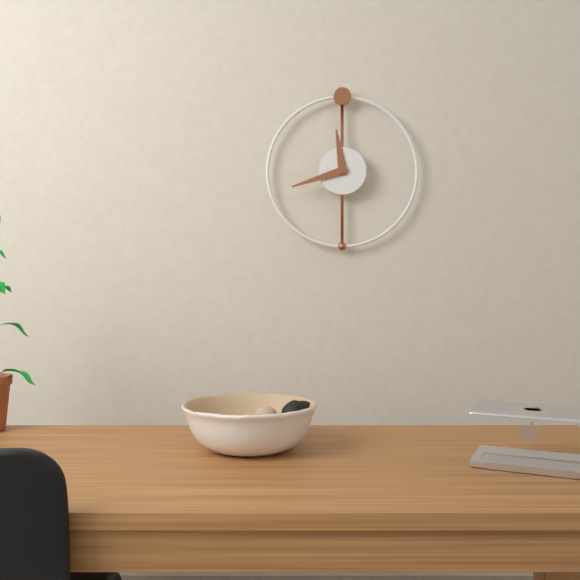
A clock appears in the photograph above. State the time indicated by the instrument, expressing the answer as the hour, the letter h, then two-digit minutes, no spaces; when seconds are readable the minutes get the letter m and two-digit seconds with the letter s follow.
11h42
